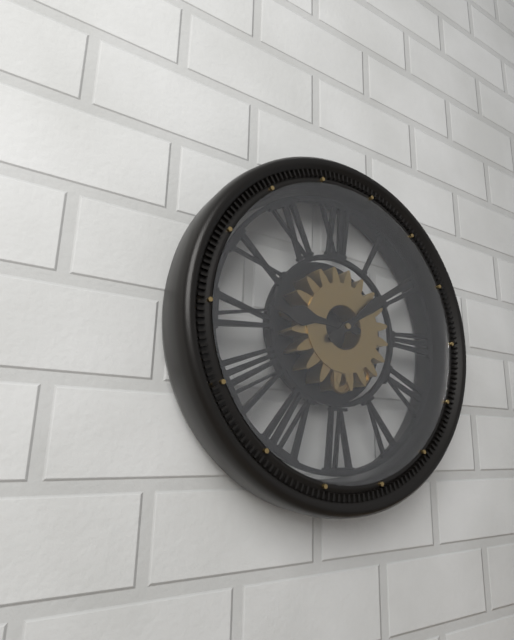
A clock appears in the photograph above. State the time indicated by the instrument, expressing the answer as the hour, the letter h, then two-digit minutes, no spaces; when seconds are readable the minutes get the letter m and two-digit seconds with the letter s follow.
9h09
